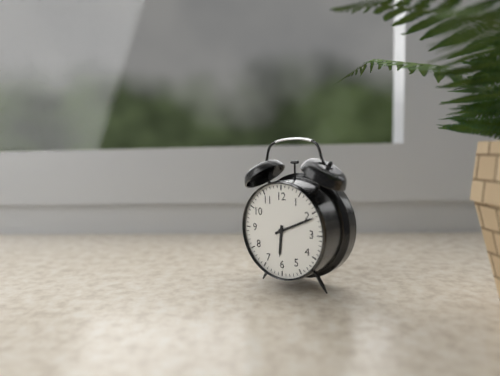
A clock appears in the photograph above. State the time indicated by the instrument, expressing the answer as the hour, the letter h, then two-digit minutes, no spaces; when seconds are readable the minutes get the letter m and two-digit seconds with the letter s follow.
6h11
